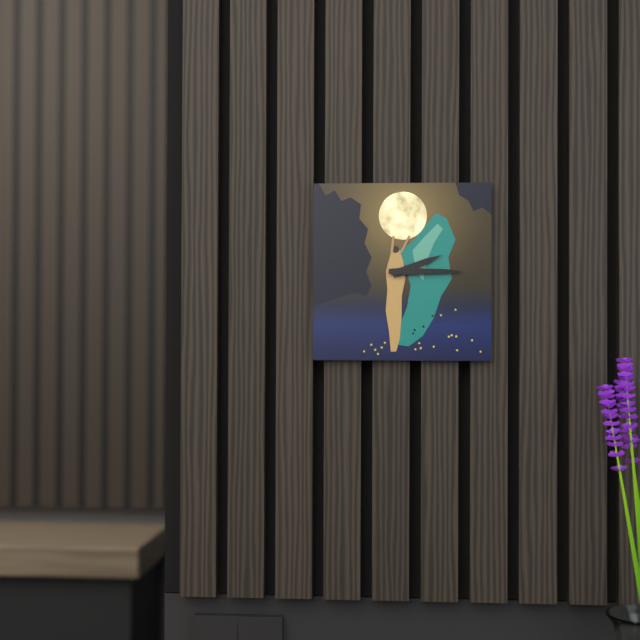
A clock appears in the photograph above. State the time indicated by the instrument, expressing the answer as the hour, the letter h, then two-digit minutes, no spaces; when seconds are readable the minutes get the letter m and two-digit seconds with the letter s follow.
2h15
